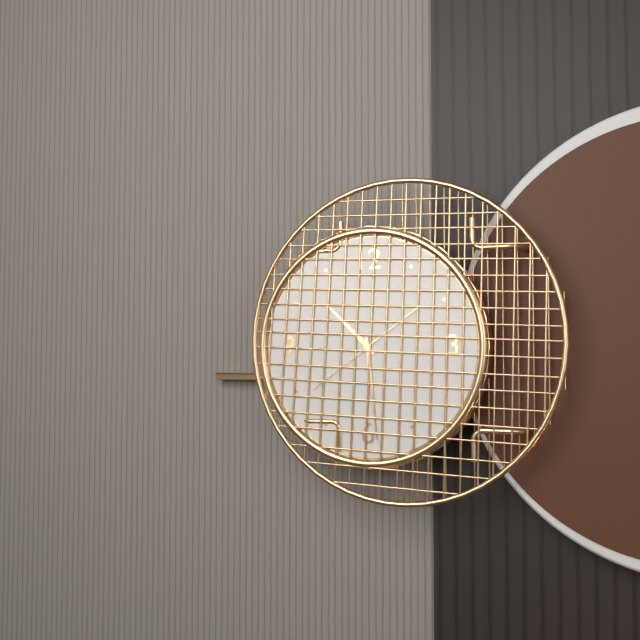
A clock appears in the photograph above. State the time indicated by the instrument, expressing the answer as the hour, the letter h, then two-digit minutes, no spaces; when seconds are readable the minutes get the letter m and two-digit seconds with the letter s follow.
10h29m39s
